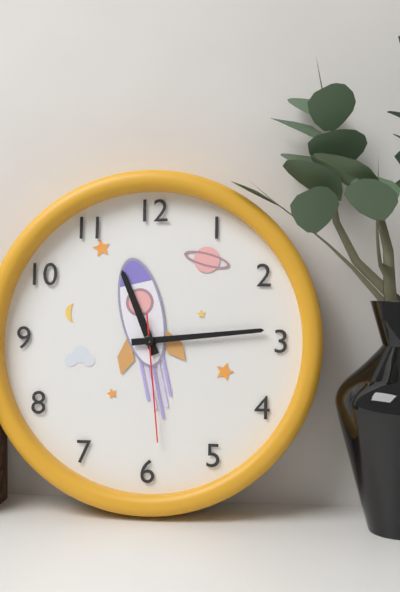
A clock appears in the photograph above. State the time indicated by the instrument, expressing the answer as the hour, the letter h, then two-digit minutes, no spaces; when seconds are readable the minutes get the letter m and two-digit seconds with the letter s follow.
11h14m29s
